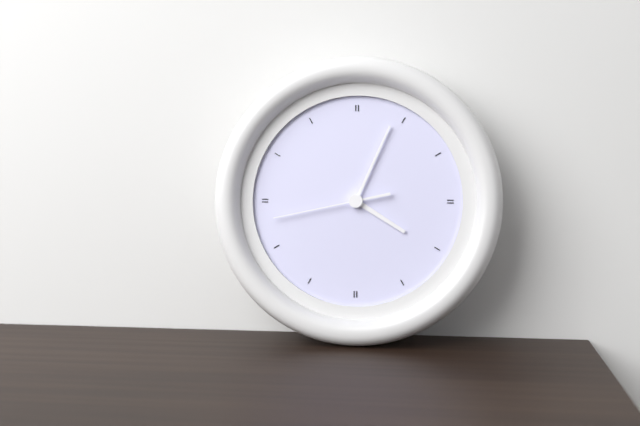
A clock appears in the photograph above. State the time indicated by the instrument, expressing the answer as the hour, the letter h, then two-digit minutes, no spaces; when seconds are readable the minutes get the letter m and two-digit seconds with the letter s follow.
4h04m43s
